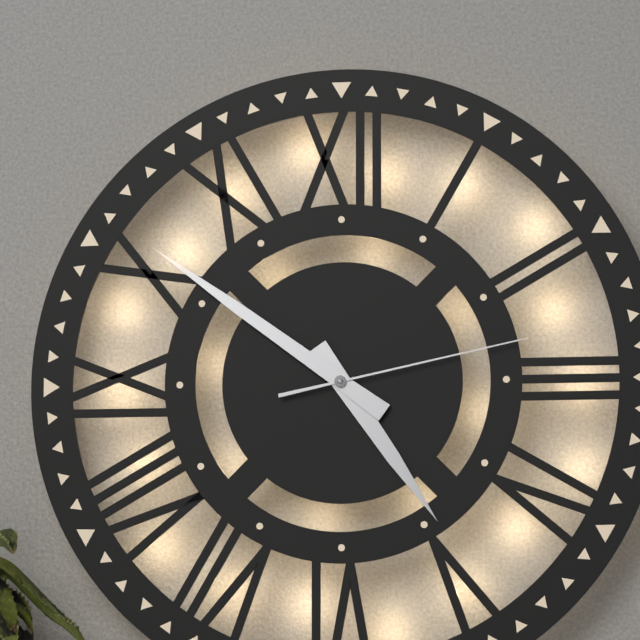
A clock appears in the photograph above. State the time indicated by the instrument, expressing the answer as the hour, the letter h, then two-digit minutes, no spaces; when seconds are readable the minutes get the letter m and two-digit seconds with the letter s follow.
4h51m13s
